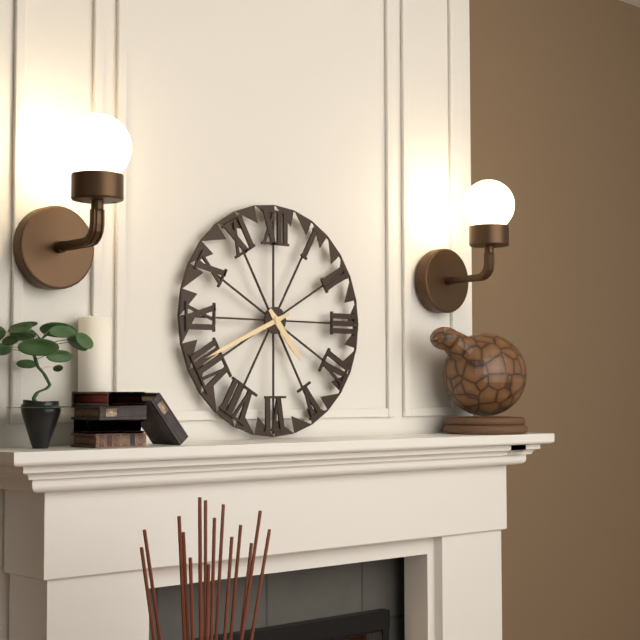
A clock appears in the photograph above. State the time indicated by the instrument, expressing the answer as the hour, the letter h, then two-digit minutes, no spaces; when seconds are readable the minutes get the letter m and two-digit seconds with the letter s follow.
4h41
